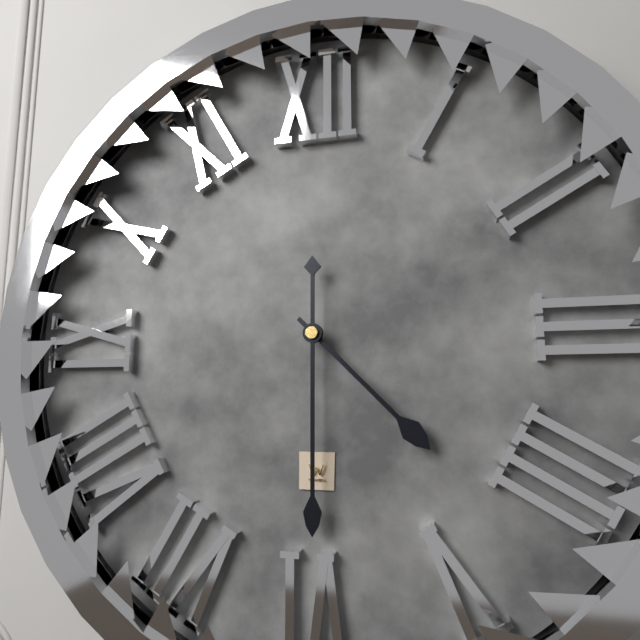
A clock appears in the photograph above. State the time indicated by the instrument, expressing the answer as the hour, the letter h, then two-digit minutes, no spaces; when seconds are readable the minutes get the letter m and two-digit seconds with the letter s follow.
4h30
